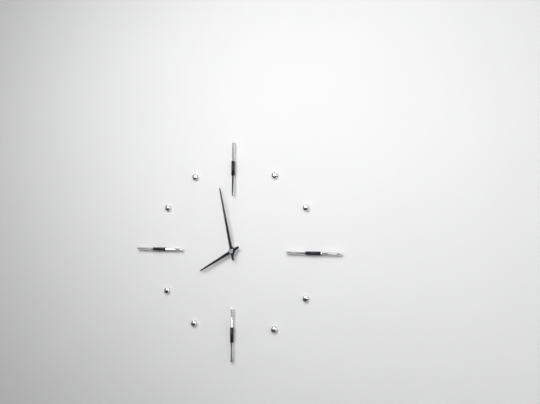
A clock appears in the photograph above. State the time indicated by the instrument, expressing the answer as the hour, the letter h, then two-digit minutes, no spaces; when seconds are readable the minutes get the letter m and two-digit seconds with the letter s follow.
7h58
